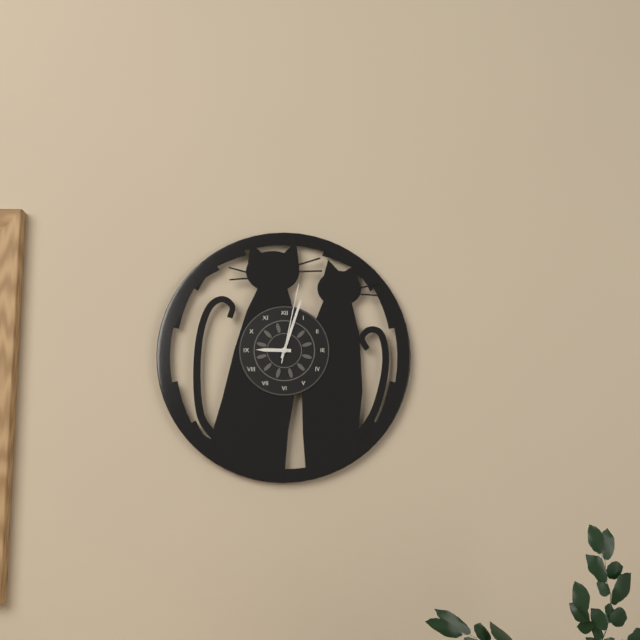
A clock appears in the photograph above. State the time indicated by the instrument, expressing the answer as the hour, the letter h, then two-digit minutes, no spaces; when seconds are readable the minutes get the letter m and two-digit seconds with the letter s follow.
9h03m02s
